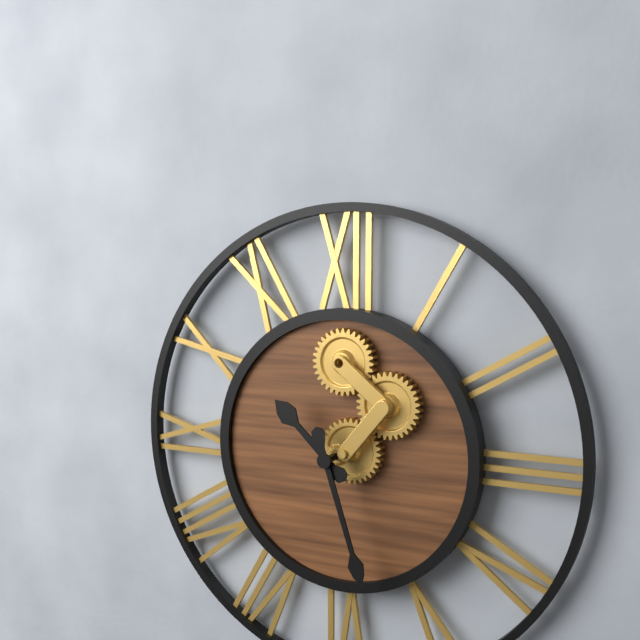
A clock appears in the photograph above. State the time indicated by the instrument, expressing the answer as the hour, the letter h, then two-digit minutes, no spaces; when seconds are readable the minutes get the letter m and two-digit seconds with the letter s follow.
10h27
